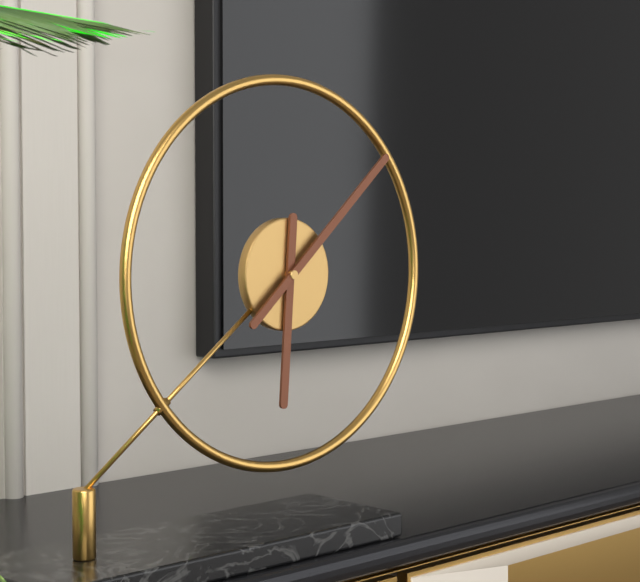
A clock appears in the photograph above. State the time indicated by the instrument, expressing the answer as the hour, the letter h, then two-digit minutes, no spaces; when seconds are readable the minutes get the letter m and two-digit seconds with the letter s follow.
6h08
